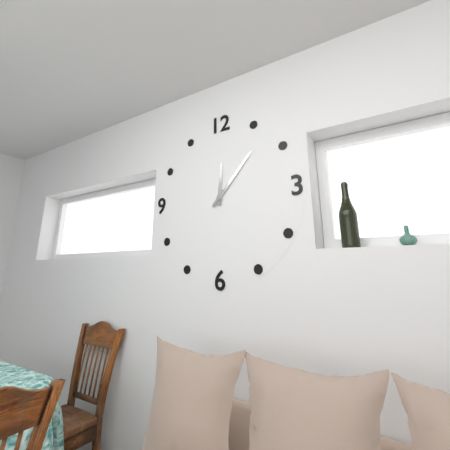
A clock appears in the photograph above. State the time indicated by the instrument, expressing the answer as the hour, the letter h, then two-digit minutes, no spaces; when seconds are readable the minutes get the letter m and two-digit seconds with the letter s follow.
12h07
